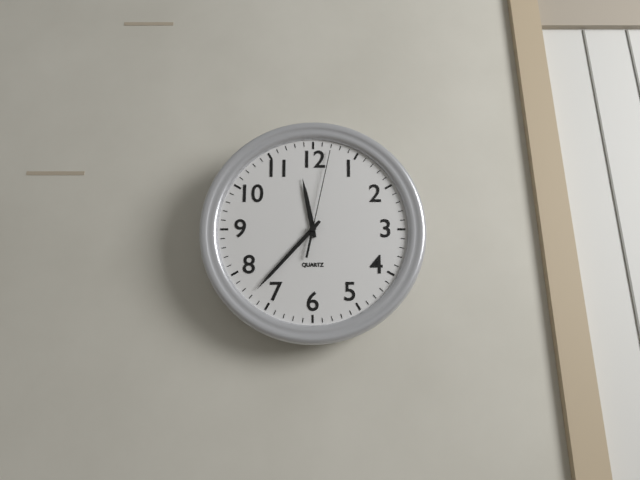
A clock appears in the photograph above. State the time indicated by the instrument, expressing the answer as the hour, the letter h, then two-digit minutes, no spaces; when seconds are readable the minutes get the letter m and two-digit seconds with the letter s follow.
11h37m02s
